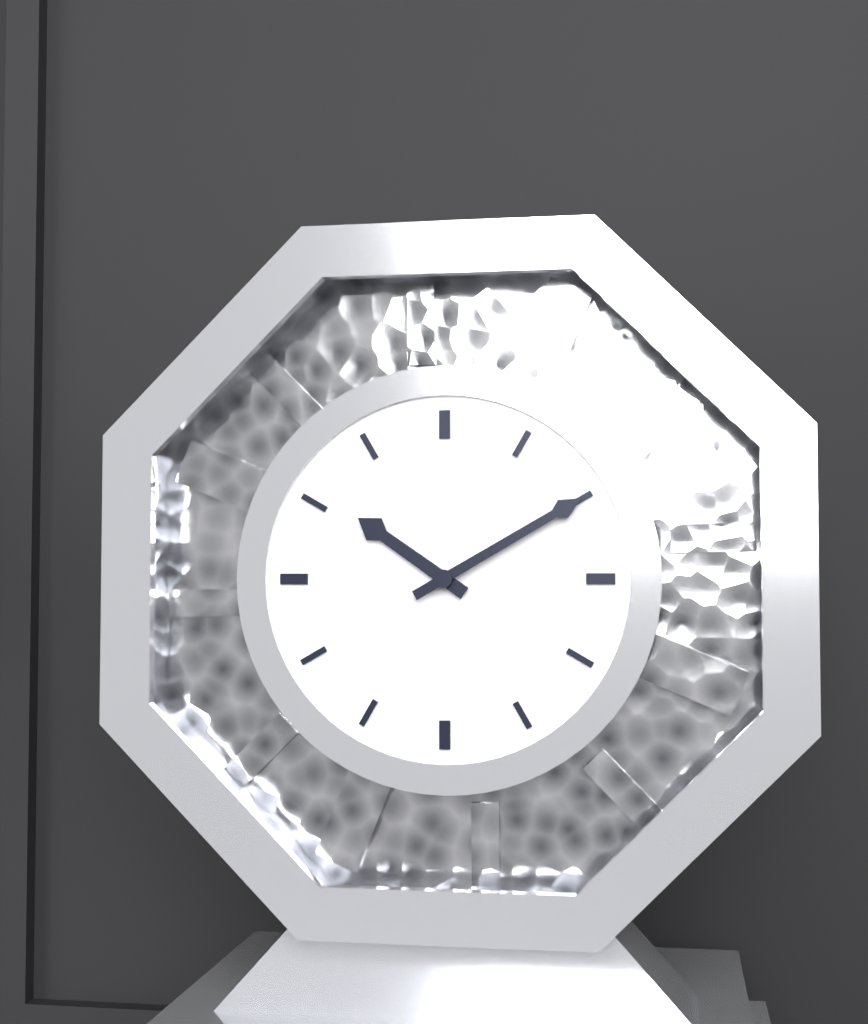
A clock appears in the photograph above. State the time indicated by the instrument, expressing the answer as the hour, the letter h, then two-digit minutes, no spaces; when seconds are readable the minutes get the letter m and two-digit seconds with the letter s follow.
10h10
